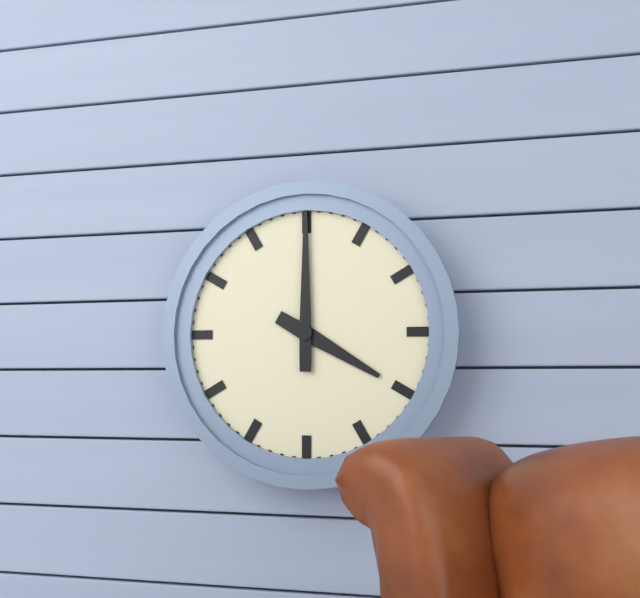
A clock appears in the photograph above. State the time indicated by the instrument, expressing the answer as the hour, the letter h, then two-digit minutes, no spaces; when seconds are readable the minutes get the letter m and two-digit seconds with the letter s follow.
4h00
